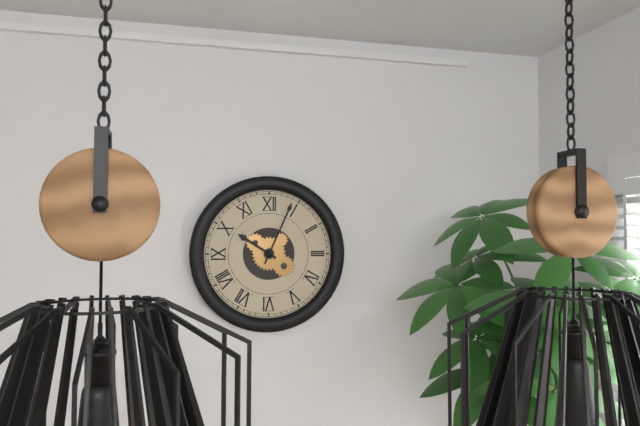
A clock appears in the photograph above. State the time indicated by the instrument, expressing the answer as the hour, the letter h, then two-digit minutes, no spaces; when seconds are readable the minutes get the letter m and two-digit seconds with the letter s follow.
10h04
